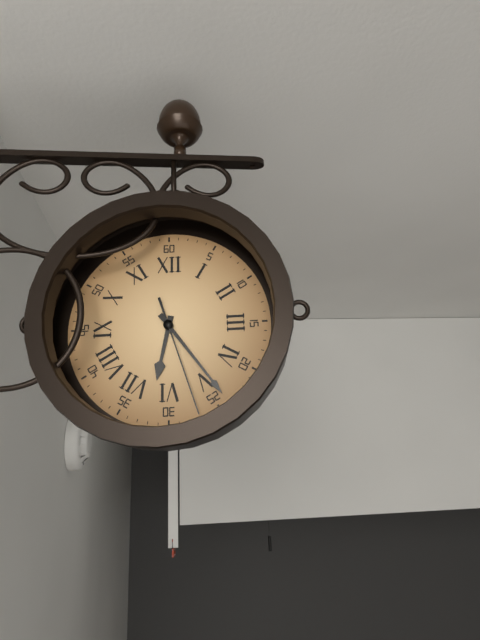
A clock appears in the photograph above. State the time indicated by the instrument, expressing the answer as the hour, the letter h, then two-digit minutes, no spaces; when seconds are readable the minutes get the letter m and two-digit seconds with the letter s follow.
6h24m27s
